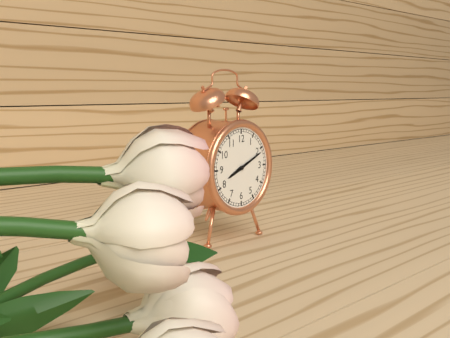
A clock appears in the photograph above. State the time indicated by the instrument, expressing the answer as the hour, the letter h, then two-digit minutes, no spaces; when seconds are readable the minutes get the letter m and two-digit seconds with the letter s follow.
8h11
